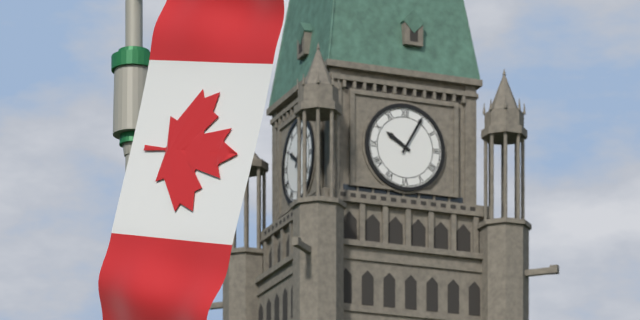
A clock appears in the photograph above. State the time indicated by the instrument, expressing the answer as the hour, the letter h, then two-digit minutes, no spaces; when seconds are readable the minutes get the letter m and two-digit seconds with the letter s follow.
10h05
